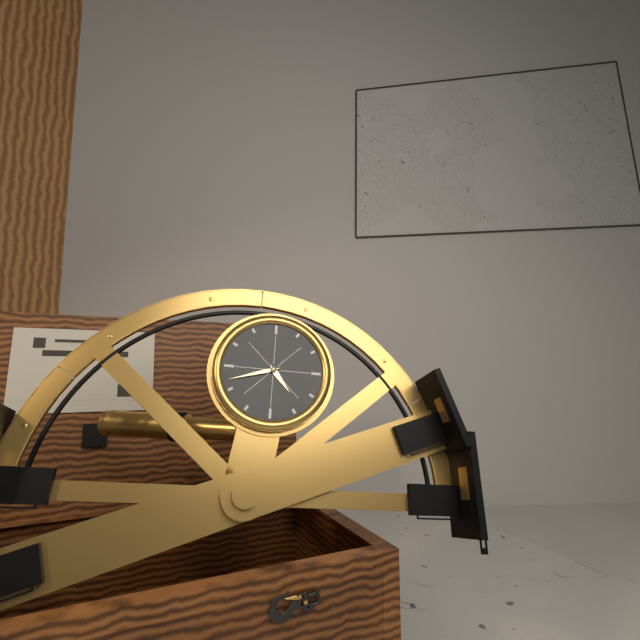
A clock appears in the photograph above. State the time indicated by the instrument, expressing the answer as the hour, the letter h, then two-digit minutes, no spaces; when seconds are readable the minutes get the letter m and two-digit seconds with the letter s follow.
4h42
